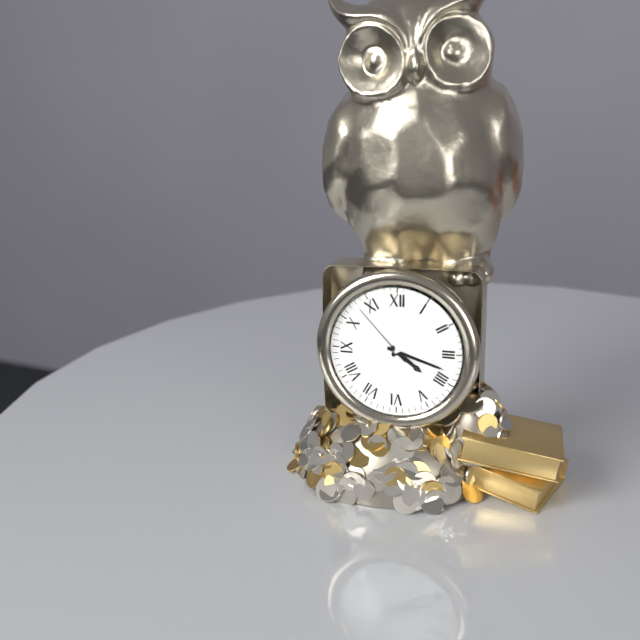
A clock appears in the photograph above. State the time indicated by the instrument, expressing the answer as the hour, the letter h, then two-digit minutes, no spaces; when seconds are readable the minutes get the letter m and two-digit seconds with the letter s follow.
4h18m53s
